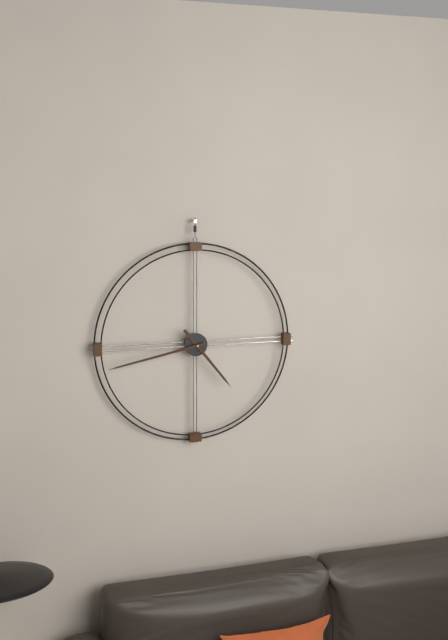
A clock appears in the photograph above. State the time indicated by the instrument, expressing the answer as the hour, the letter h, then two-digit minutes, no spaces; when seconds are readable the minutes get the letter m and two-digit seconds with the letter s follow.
4h43
